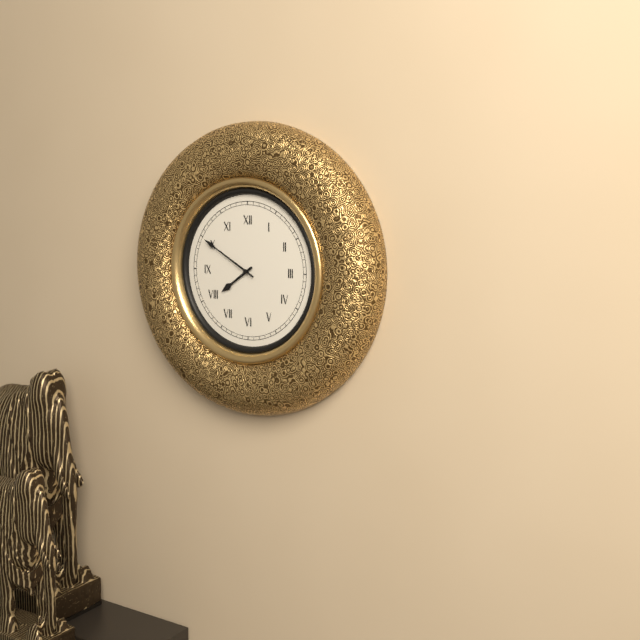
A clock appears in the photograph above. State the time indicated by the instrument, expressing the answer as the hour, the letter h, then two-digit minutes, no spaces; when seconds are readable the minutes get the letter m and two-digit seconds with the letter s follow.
7h50
